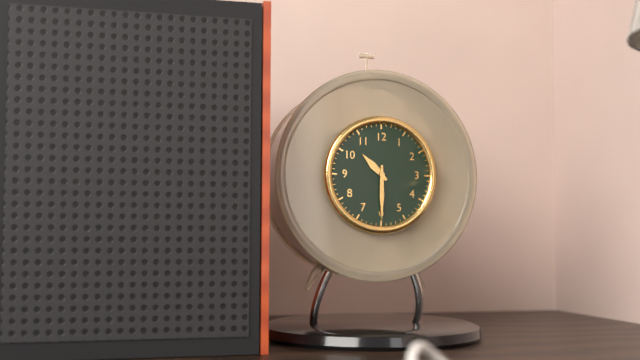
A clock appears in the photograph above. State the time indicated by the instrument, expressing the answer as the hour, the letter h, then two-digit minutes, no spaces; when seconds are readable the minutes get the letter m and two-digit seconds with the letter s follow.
10h30
